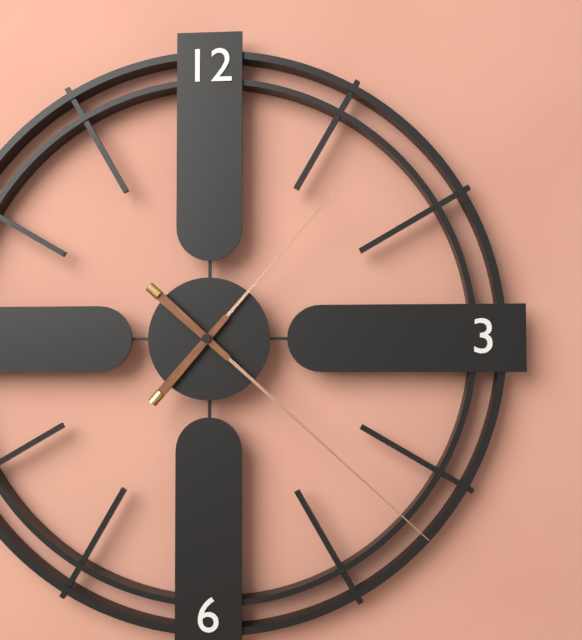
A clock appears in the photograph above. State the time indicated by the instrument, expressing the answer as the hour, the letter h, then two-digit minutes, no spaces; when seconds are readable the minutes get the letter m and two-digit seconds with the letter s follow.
1h22
